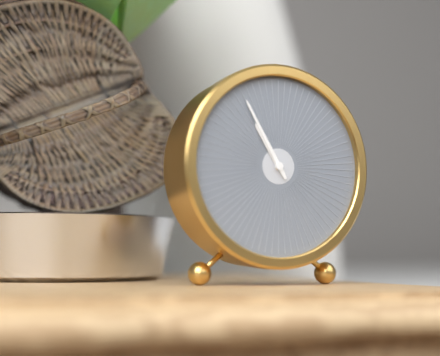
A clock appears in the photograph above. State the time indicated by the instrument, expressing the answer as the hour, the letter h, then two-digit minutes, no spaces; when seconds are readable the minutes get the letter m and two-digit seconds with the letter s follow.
10h55
